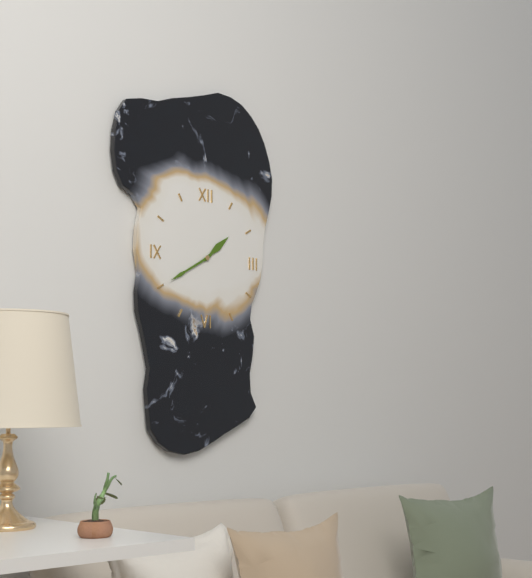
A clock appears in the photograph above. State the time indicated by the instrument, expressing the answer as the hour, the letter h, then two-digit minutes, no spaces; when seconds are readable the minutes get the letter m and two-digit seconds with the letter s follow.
1h40
